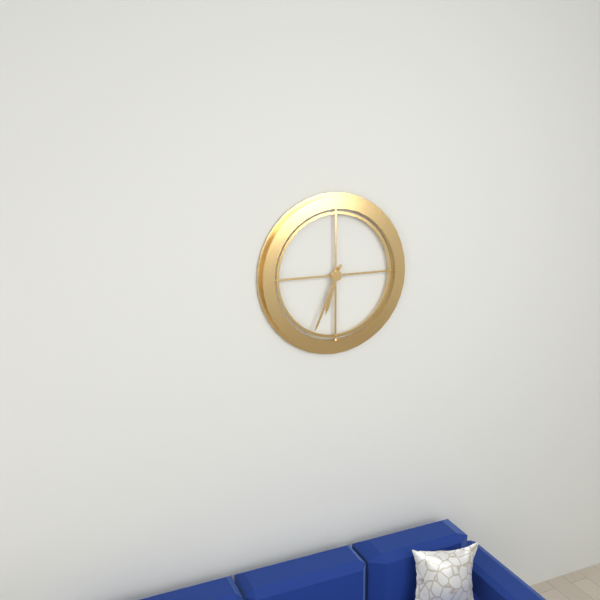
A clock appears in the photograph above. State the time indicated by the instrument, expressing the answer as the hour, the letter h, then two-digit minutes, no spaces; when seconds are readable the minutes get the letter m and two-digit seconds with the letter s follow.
6h34
